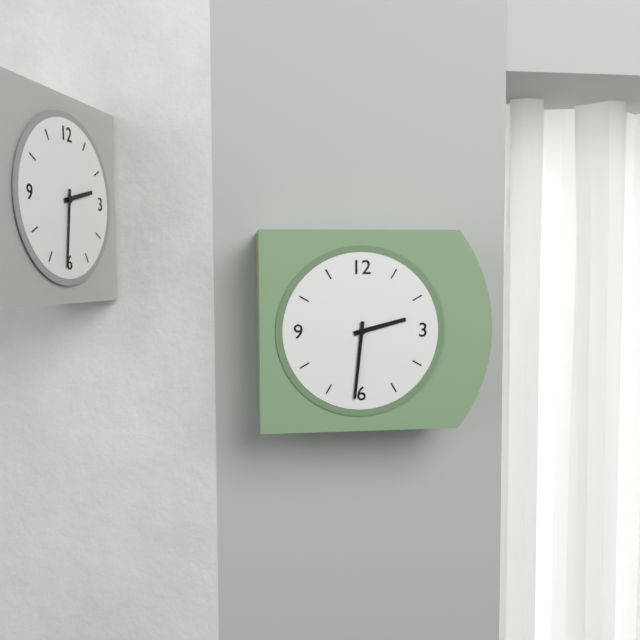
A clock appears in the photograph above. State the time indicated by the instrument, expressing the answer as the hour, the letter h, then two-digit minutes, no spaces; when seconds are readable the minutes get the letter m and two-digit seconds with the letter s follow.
2h31
